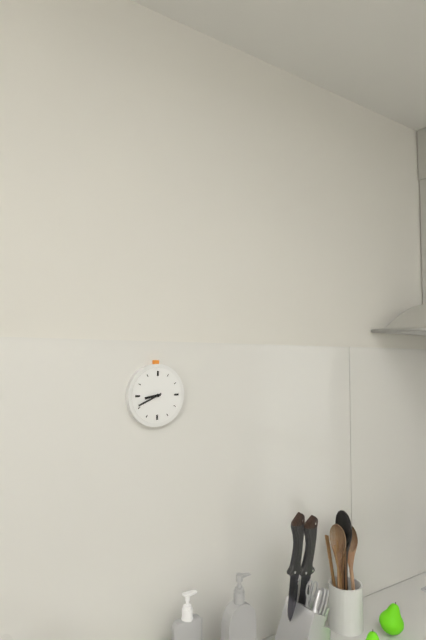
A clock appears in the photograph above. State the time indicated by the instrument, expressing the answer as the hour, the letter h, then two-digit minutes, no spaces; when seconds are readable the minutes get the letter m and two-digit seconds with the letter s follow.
8h41
